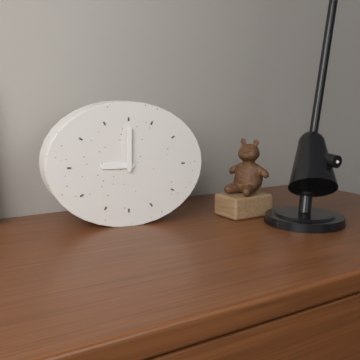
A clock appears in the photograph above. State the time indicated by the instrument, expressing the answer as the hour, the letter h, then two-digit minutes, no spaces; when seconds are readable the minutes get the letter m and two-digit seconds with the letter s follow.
9h00
